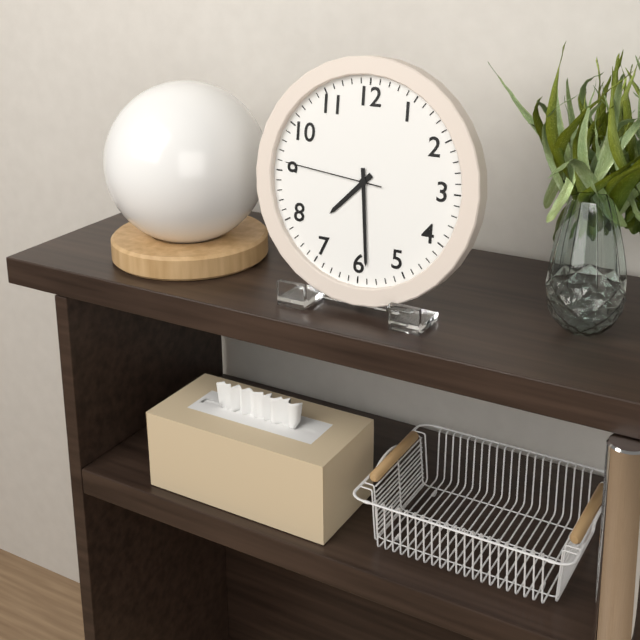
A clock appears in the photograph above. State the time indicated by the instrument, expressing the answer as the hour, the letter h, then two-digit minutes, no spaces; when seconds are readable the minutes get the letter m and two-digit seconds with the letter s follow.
7h29m46s
